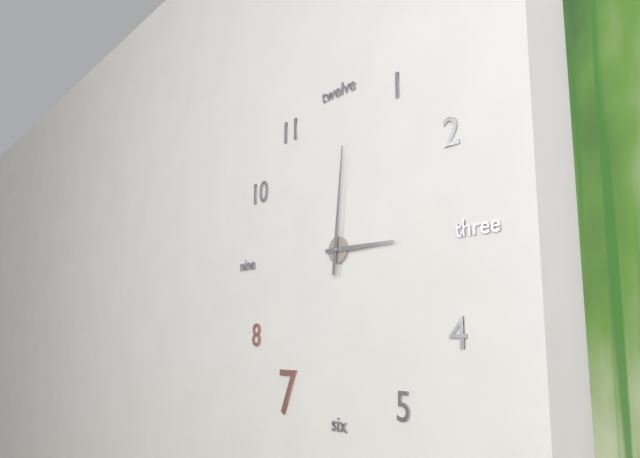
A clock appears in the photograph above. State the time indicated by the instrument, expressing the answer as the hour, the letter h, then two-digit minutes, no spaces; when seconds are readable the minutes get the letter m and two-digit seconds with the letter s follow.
3h01
